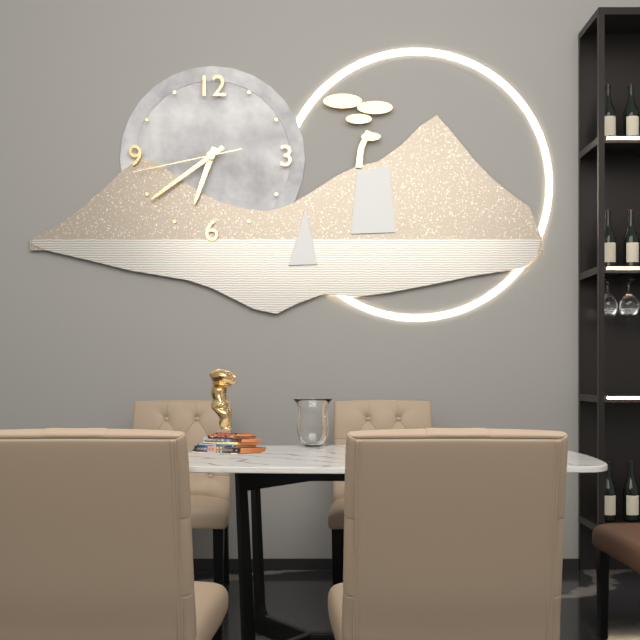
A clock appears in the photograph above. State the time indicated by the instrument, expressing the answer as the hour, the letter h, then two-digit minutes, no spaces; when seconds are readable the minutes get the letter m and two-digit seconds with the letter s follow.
6h39m43s
